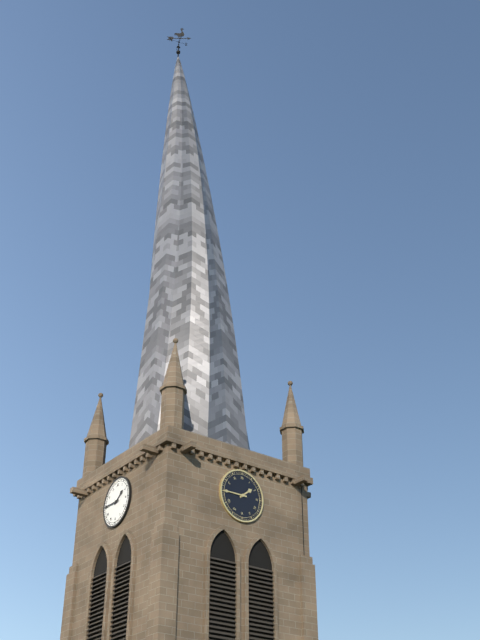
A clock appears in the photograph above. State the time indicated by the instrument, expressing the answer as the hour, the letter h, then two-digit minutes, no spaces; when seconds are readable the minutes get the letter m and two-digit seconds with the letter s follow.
1h45
